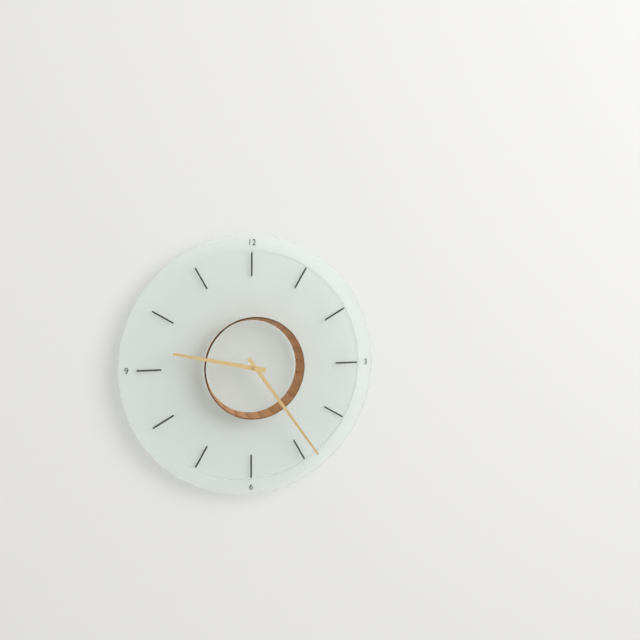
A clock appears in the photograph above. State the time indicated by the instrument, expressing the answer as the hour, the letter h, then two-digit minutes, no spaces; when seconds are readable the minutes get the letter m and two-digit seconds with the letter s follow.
9h24
